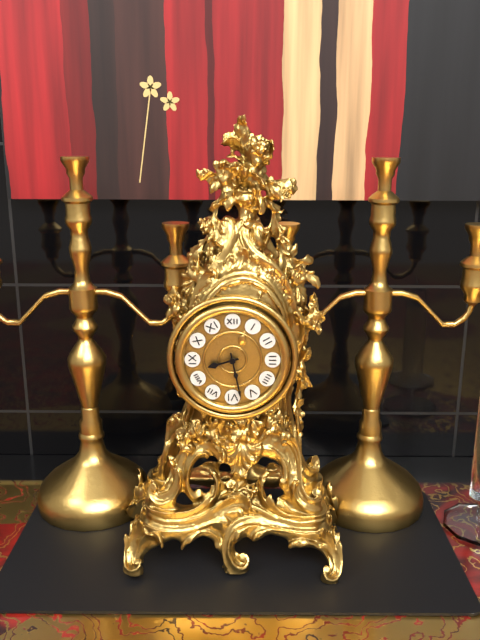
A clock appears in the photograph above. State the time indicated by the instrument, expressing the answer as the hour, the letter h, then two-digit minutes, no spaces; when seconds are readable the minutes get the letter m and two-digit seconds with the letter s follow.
8h28
